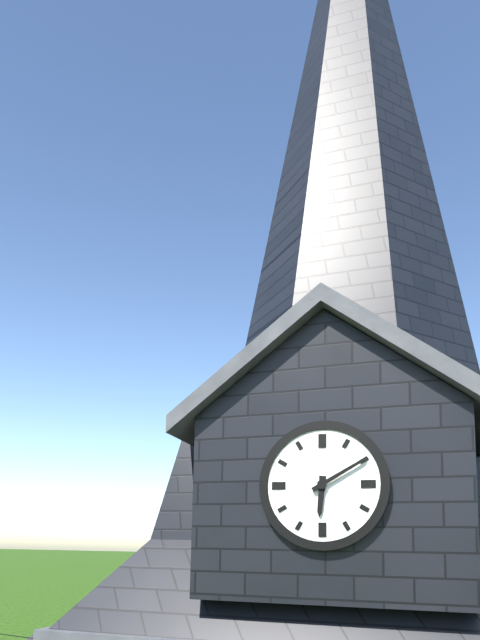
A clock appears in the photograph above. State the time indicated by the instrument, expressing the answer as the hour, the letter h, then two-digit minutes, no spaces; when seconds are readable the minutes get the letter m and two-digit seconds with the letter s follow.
6h10
